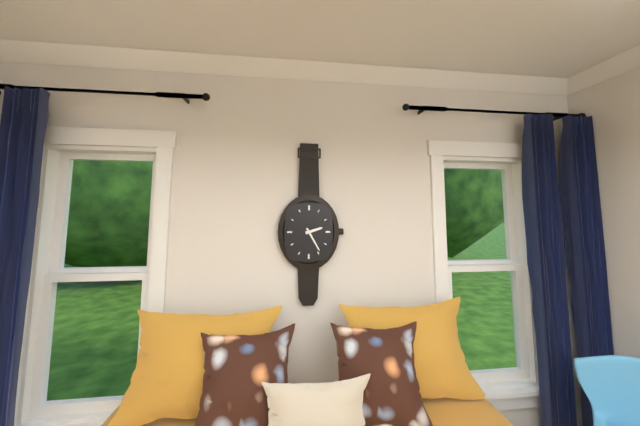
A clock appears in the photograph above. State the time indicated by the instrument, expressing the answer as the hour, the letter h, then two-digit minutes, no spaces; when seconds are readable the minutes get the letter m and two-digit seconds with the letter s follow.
2h25
